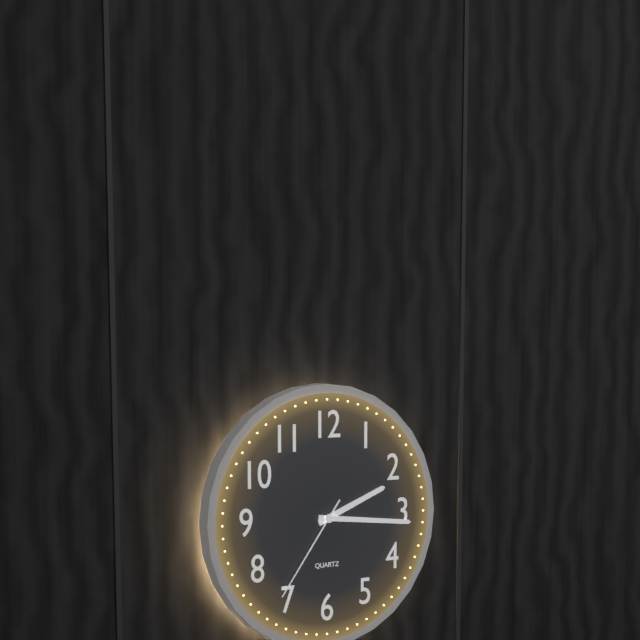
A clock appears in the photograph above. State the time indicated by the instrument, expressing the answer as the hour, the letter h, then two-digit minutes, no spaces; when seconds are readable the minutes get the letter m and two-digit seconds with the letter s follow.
2h16m36s
